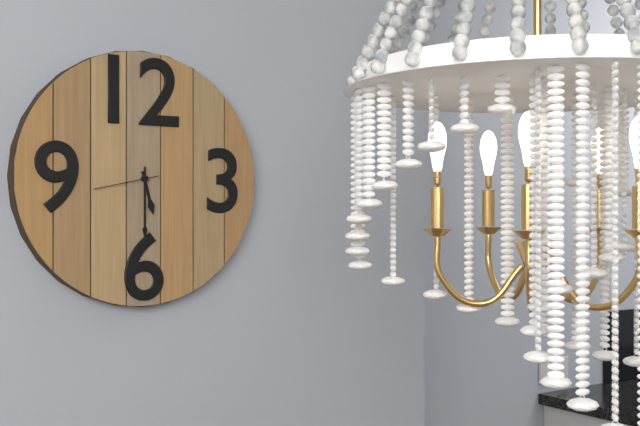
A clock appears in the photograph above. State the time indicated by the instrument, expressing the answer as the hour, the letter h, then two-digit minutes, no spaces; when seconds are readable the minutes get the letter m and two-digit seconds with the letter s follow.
5h30m43s
